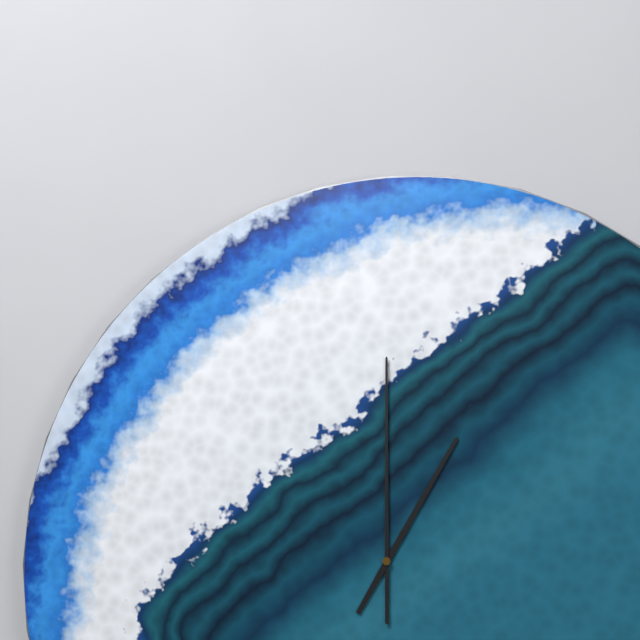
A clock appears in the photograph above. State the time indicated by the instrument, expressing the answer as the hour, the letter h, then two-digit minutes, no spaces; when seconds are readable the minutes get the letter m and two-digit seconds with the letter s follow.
1h00
